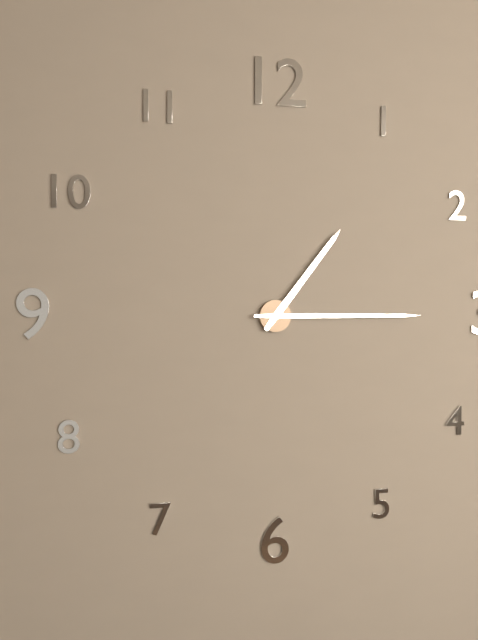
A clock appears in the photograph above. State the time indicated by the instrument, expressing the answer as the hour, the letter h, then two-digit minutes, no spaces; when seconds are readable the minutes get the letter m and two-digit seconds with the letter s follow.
1h15
